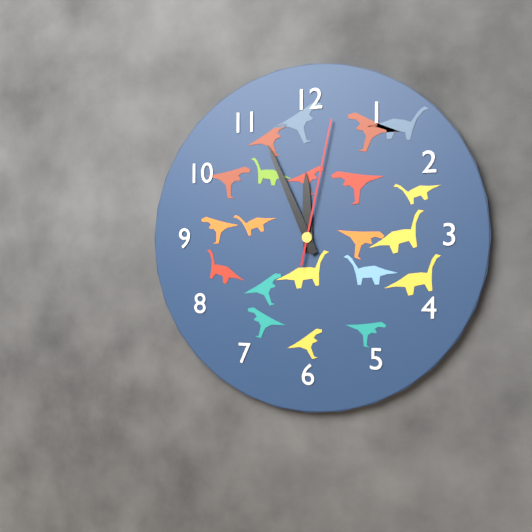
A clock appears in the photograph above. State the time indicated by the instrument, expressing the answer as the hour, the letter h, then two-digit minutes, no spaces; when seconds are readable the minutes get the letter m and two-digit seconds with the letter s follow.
11h56m02s
